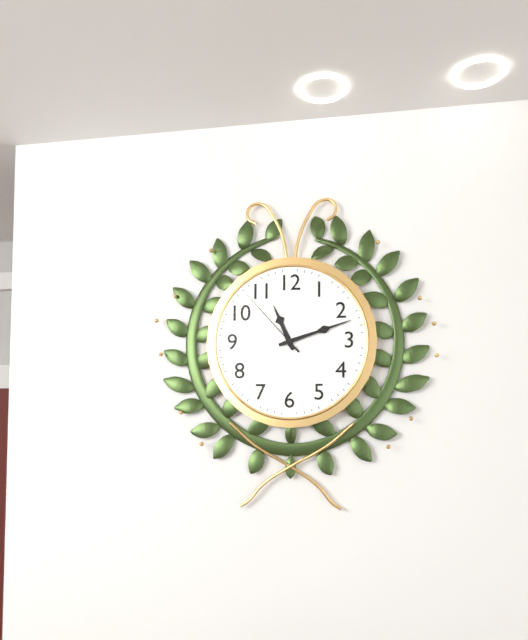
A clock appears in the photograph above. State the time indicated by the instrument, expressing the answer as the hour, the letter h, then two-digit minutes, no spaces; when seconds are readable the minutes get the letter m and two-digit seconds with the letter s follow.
11h12m53s
